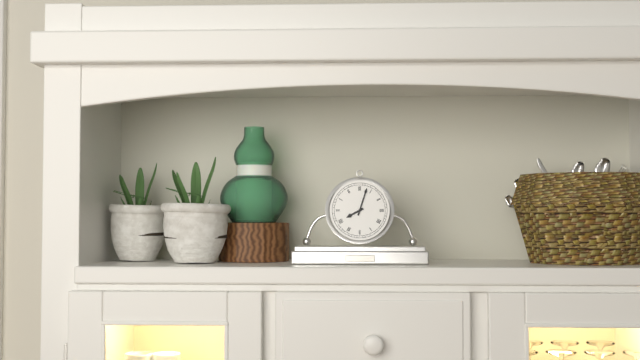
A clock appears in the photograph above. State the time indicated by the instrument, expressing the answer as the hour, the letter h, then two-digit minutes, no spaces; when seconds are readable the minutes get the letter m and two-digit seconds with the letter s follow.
8h03
